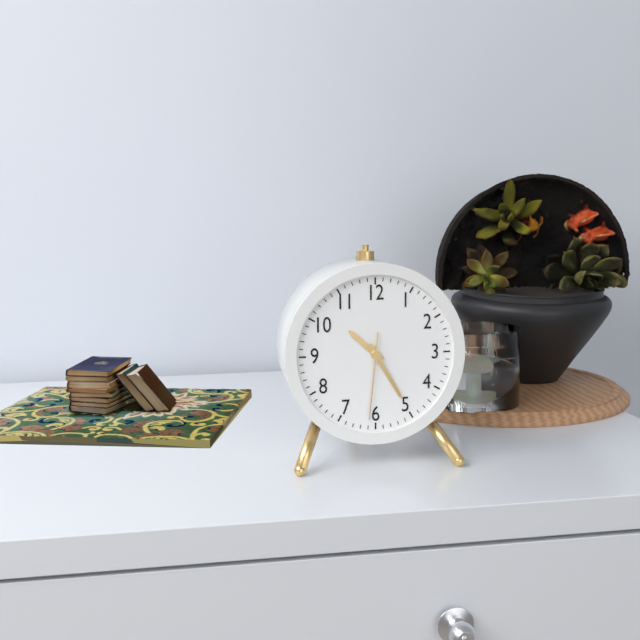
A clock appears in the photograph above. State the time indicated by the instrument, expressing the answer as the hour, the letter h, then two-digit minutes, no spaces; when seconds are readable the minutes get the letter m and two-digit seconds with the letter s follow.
10h25m31s
